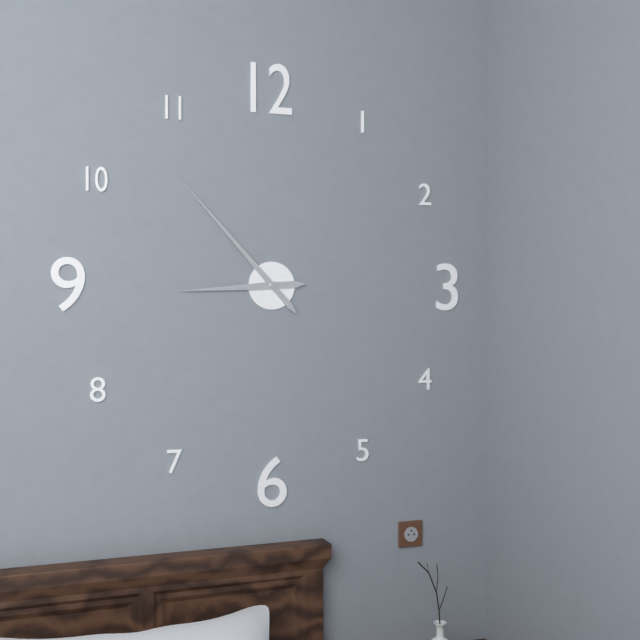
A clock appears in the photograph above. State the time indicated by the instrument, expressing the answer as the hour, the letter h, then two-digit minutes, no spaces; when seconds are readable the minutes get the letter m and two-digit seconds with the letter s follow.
8h53
